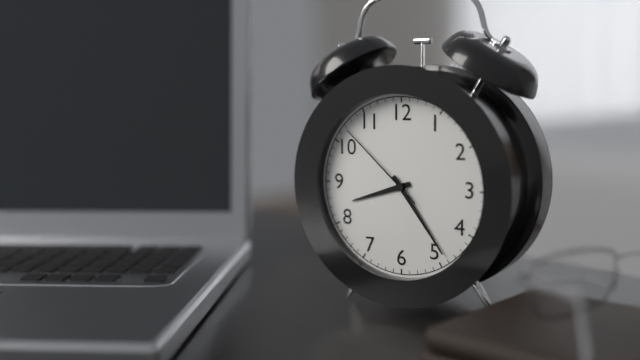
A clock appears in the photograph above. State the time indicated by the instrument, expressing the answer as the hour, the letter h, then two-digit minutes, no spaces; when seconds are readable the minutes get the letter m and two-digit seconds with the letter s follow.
8h24m52s
